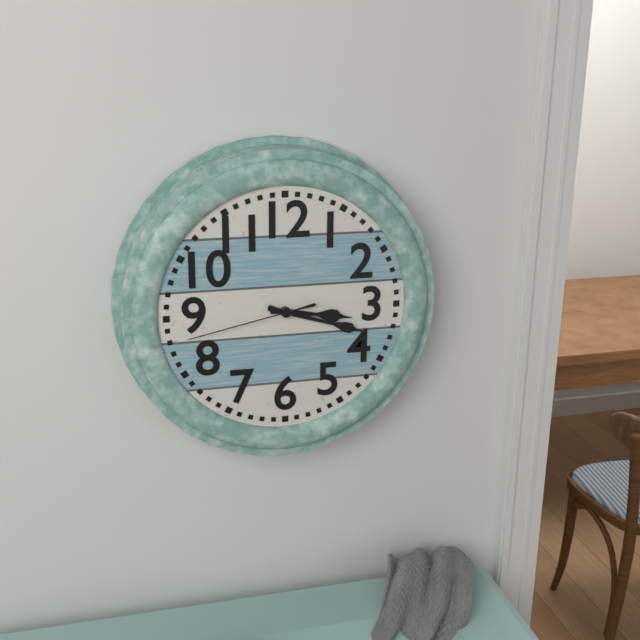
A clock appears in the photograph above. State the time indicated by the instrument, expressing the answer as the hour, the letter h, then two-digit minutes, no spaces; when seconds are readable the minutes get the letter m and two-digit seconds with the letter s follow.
3h18m43s
